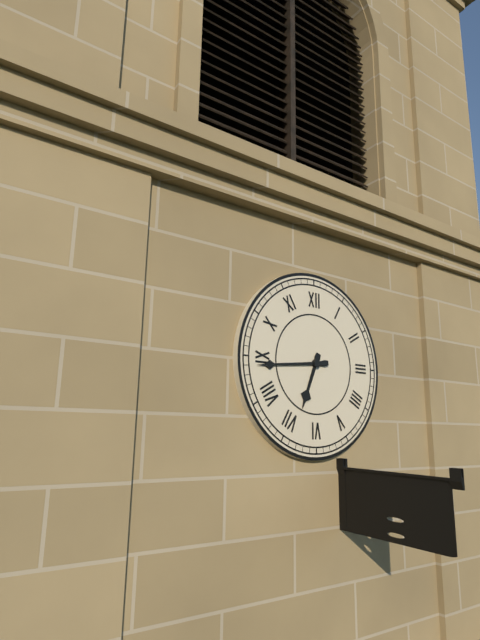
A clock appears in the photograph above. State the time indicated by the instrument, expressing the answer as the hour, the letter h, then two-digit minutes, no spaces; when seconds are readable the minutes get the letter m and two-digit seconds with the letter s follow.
6h44
